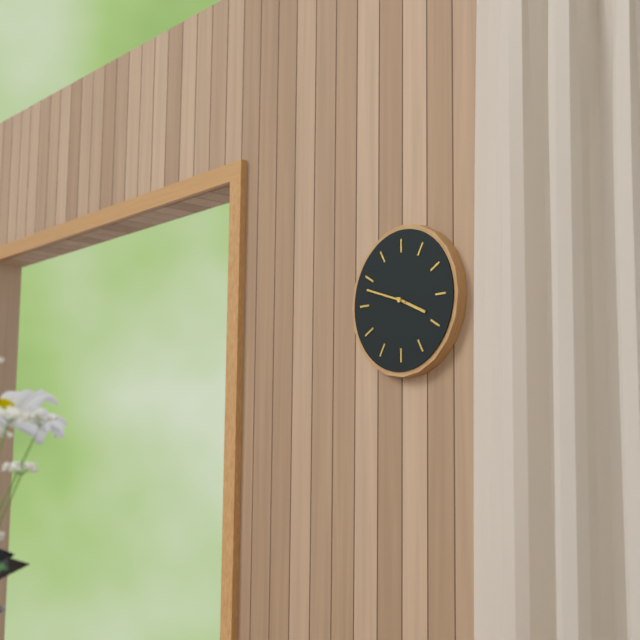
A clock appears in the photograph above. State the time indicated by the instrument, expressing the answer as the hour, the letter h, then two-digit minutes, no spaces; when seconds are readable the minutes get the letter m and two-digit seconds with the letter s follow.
3h48
